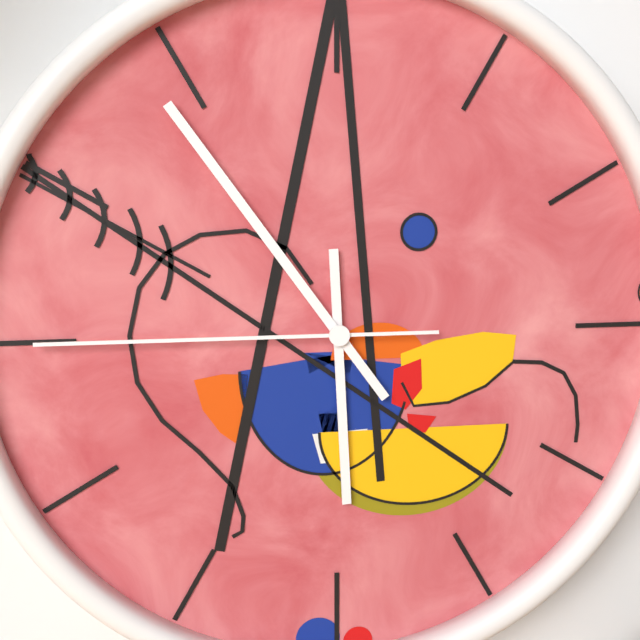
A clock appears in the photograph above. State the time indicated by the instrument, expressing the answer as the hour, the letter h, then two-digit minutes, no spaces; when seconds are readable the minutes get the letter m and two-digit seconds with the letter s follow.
5h54m45s
